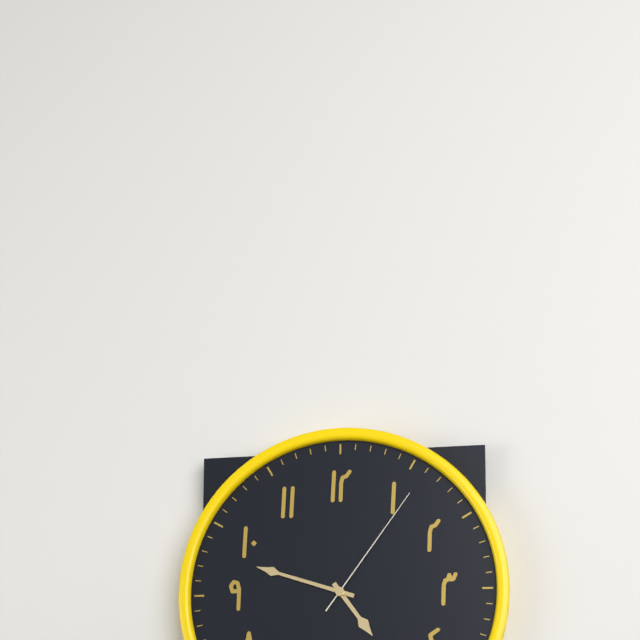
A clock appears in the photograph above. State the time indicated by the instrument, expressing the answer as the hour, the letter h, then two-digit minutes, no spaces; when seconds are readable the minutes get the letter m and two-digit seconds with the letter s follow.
4h48m06s
